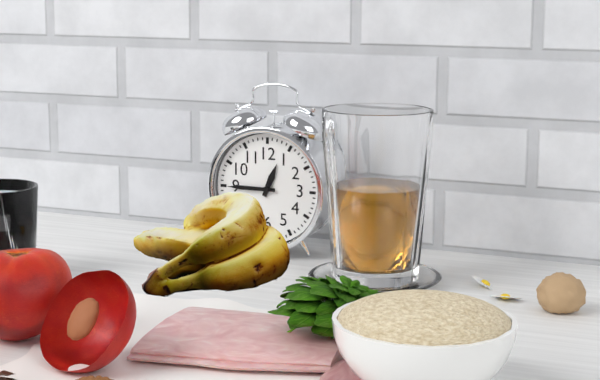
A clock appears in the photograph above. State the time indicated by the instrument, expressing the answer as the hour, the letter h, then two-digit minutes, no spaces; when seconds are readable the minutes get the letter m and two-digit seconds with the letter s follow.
12h45
